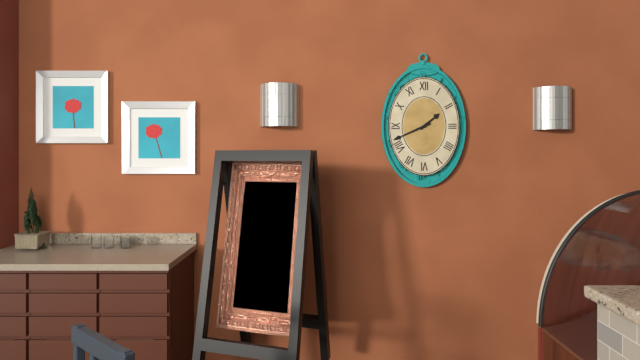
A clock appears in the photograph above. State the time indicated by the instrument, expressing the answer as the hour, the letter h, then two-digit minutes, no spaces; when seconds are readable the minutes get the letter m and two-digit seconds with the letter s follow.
1h41
